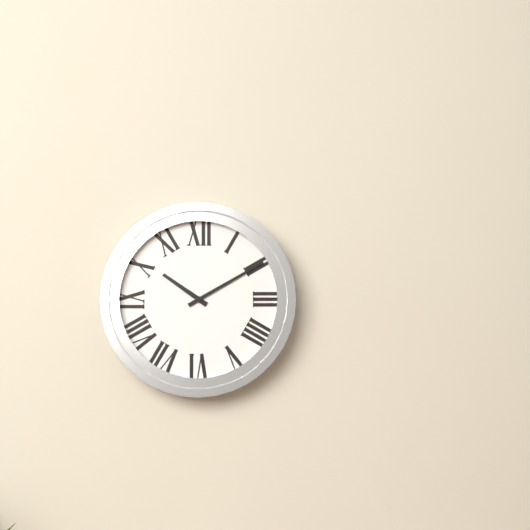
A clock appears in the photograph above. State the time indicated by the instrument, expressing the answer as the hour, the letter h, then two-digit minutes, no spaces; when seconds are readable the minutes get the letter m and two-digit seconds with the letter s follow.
10h10
